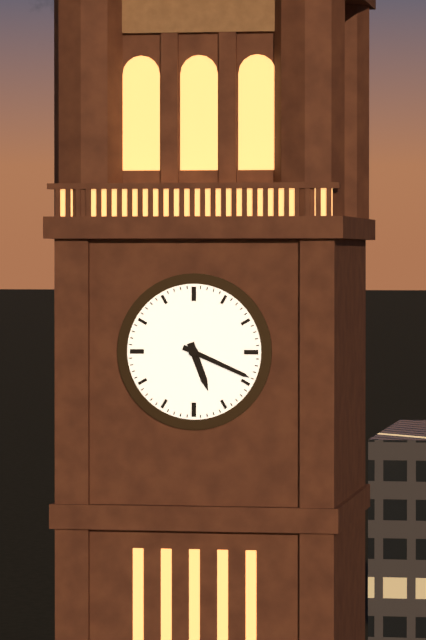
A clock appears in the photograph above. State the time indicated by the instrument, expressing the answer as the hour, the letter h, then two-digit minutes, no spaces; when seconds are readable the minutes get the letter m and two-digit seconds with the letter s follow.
5h19
